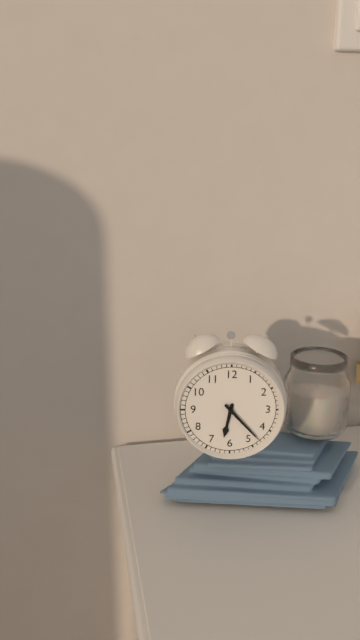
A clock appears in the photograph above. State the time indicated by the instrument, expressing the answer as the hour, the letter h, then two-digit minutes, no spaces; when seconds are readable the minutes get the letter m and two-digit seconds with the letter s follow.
6h23
